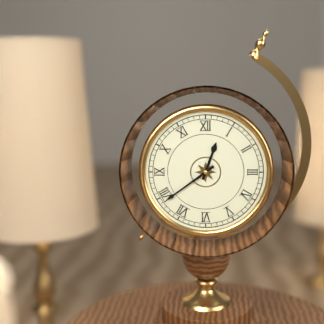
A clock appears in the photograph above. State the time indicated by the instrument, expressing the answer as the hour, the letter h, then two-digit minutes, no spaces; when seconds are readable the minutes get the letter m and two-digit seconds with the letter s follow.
12h39
